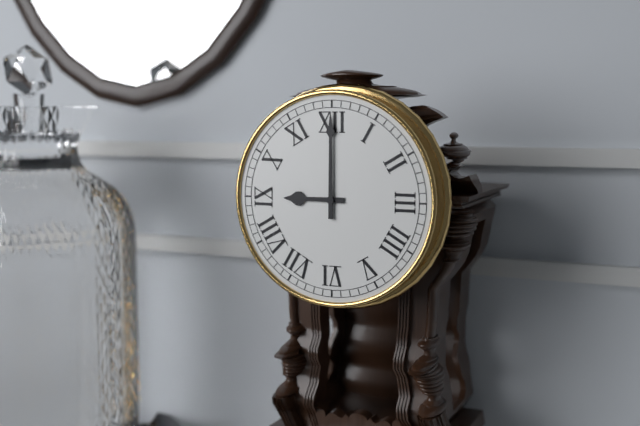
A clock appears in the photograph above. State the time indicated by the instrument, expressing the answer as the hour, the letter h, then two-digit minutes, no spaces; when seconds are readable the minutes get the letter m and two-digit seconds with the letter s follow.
9h00
